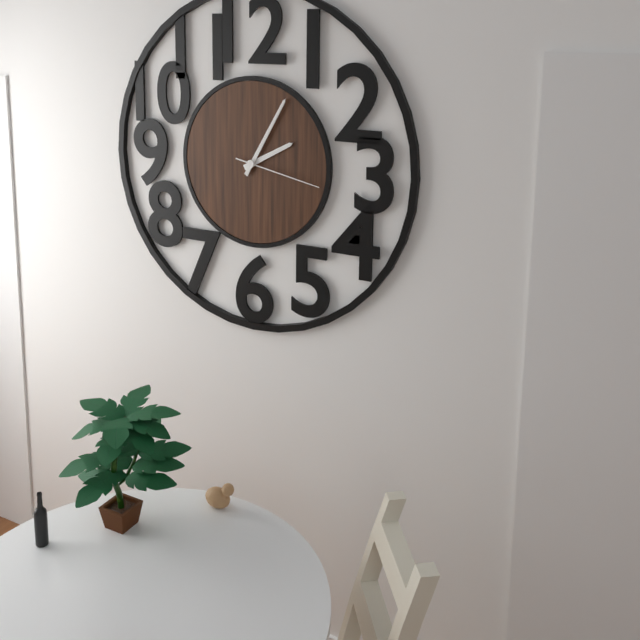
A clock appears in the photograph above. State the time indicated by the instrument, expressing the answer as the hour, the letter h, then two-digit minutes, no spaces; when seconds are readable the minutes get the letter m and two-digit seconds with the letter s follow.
2h05m17s
